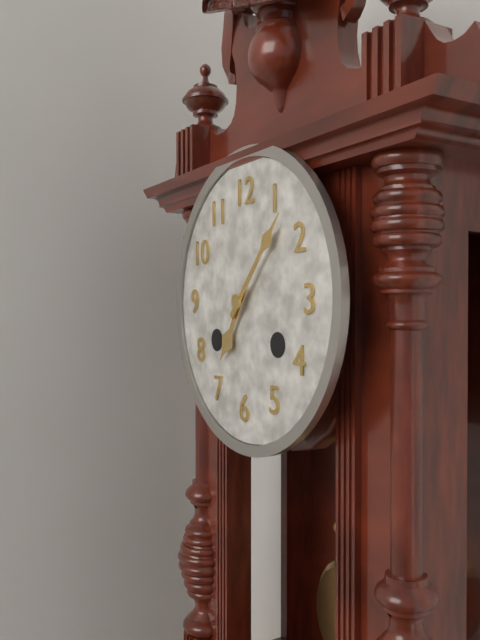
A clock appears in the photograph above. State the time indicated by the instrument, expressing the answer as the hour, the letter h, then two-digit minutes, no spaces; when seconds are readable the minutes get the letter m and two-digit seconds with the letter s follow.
7h07
